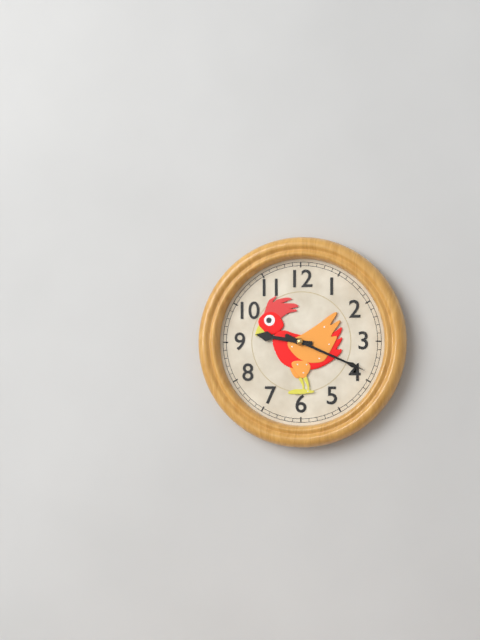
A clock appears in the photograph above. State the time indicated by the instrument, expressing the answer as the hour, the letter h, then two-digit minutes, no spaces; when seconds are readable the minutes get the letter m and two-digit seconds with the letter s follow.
9h19
